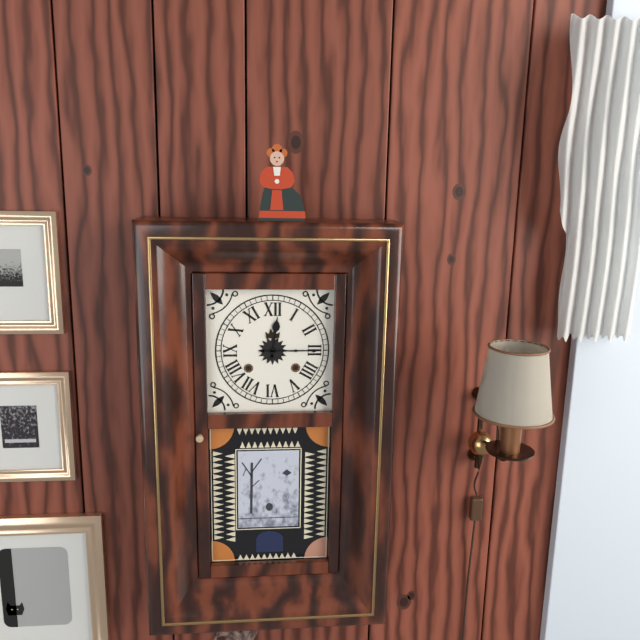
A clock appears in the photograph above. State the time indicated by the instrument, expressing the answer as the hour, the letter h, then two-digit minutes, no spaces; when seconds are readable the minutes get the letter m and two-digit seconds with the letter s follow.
12h15
